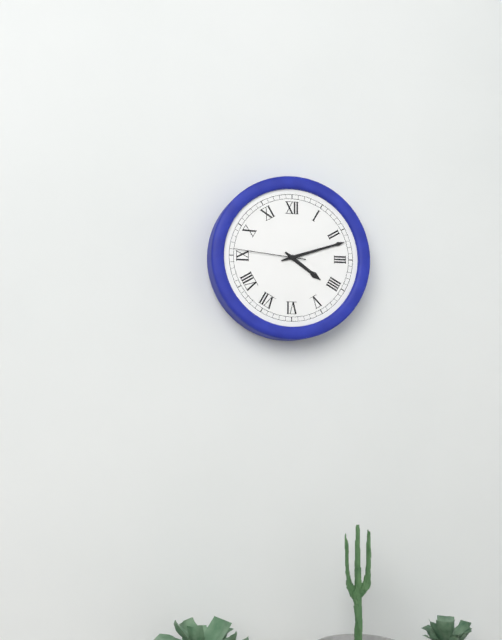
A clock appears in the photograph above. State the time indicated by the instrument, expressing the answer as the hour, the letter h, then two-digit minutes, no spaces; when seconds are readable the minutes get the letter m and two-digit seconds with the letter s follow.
4h12m46s
